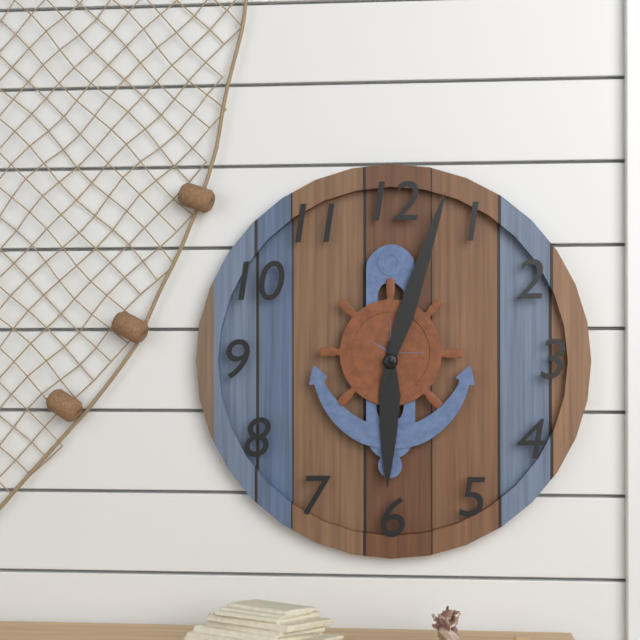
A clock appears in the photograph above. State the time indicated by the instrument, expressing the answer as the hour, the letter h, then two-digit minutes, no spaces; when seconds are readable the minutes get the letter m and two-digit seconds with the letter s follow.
6h03
